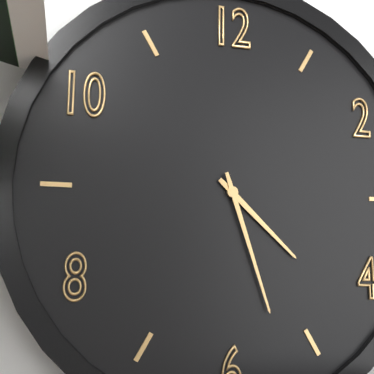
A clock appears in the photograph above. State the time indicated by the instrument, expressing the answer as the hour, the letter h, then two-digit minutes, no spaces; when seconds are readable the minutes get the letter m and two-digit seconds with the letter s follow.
4h27
